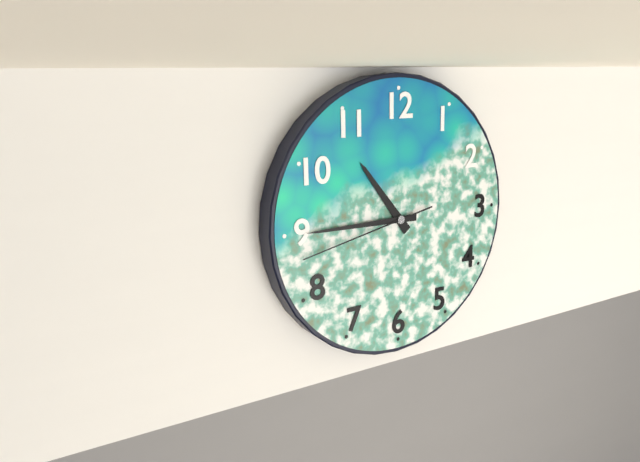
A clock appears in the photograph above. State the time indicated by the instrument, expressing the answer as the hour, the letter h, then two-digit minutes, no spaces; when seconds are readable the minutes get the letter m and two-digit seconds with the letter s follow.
10h45m43s
